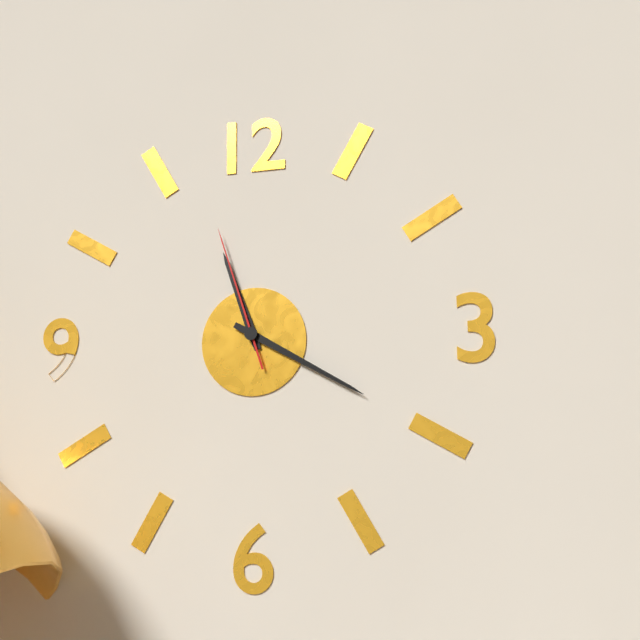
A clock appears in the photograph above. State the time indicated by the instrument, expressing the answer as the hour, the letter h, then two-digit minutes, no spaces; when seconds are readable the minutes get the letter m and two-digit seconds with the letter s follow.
11h20m57s
